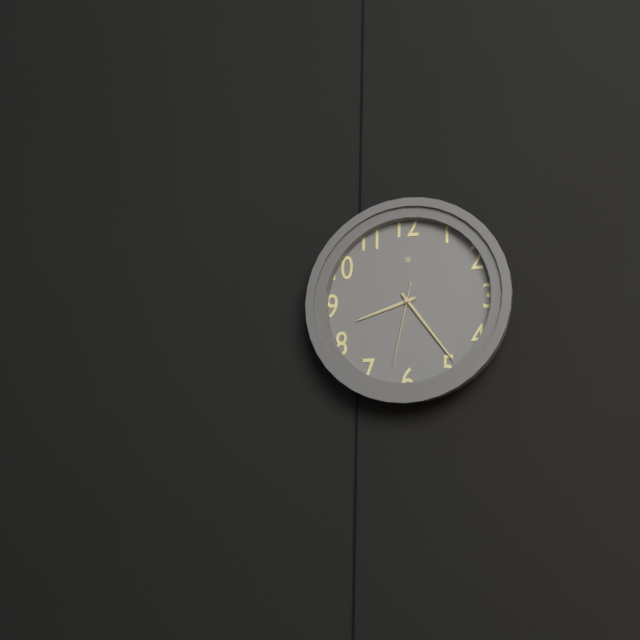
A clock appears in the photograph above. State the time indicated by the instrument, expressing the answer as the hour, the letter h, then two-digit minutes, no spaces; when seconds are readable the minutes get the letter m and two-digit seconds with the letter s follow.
8h24m32s
